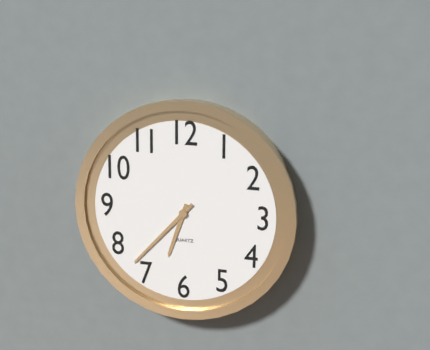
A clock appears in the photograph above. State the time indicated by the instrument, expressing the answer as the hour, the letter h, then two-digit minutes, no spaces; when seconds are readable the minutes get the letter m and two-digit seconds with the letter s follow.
6h37
